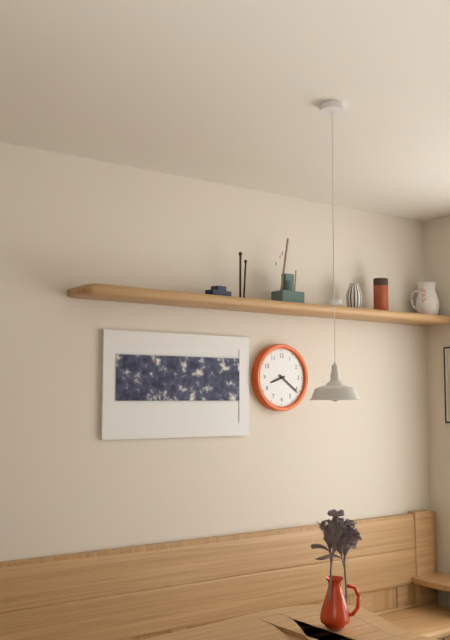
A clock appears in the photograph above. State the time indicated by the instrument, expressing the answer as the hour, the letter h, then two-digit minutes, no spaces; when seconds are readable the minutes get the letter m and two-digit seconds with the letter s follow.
8h21
